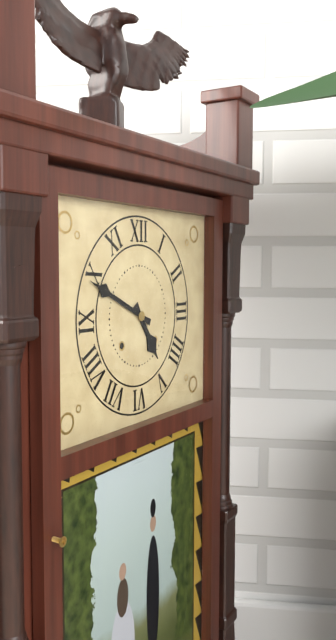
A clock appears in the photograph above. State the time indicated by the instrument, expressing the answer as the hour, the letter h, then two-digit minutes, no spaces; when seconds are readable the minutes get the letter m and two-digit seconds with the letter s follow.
4h49
